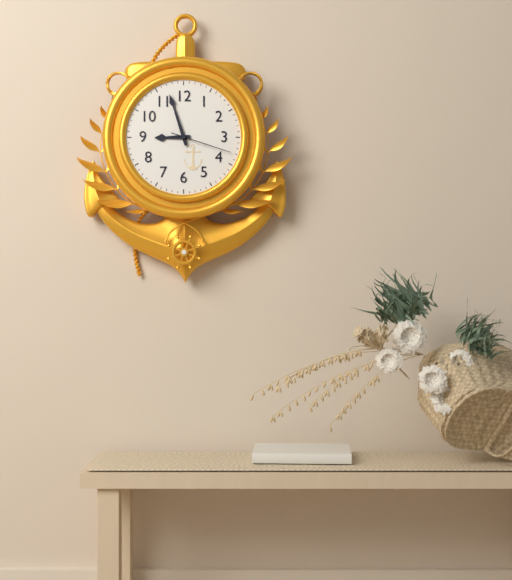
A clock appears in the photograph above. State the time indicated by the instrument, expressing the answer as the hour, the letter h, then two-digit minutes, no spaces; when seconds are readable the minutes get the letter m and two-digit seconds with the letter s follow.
8h57m18s
